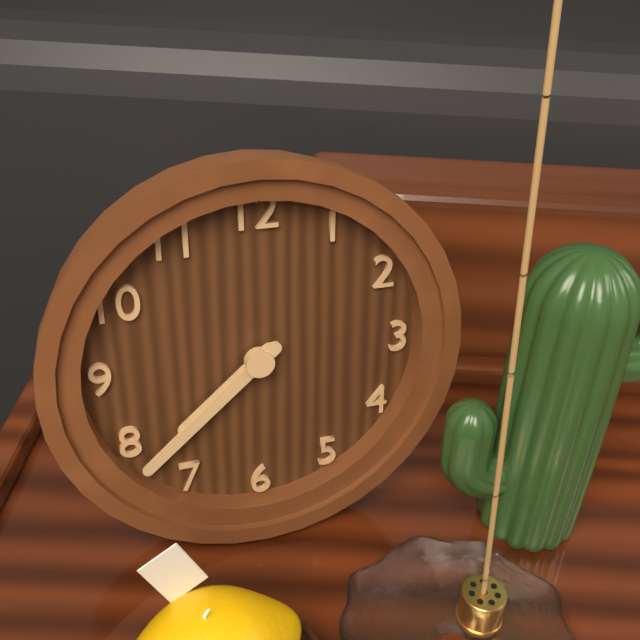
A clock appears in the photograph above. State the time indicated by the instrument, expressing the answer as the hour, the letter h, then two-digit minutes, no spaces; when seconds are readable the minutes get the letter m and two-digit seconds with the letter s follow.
7h38
